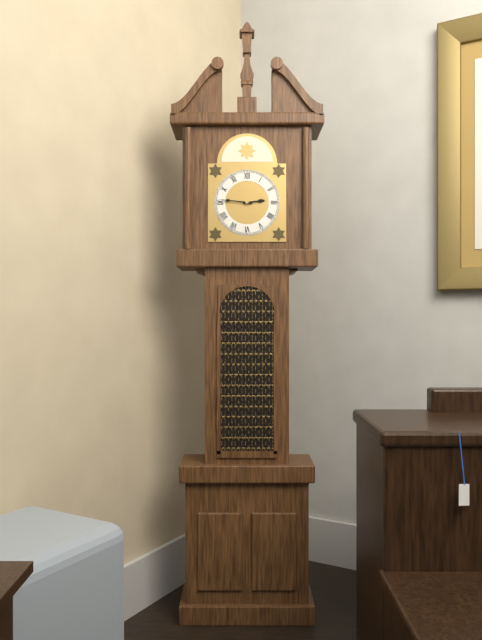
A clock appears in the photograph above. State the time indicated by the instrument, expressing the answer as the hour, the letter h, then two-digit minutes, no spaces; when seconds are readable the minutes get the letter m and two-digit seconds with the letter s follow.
2h46
